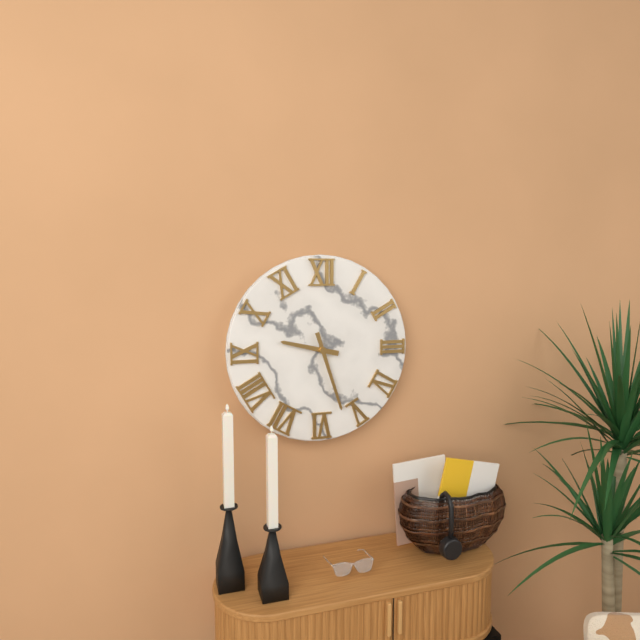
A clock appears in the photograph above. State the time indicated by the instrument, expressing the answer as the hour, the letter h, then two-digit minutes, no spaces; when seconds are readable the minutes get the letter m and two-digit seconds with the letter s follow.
9h27
